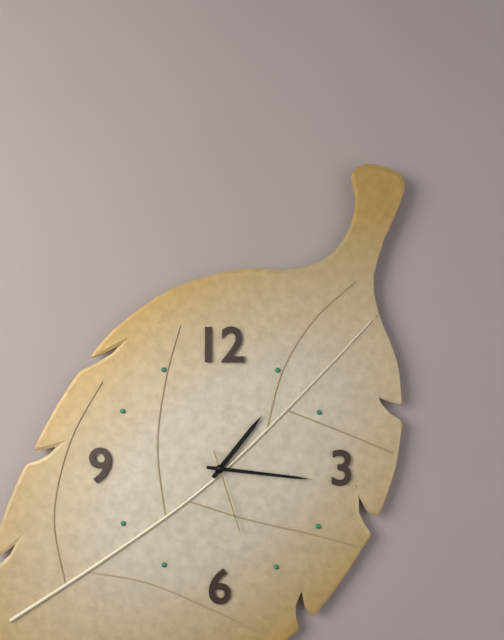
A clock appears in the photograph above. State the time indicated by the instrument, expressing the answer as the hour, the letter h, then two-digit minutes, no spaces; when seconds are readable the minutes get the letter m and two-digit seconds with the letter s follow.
1h16m27s
